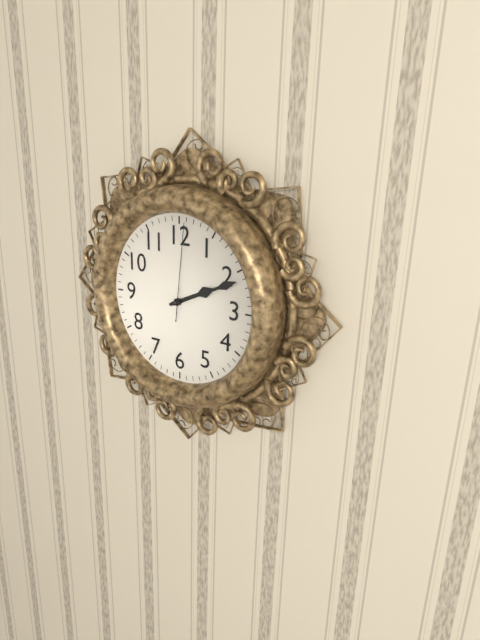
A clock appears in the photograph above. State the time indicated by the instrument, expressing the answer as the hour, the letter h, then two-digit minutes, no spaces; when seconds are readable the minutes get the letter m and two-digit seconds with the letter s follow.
2h11m01s
